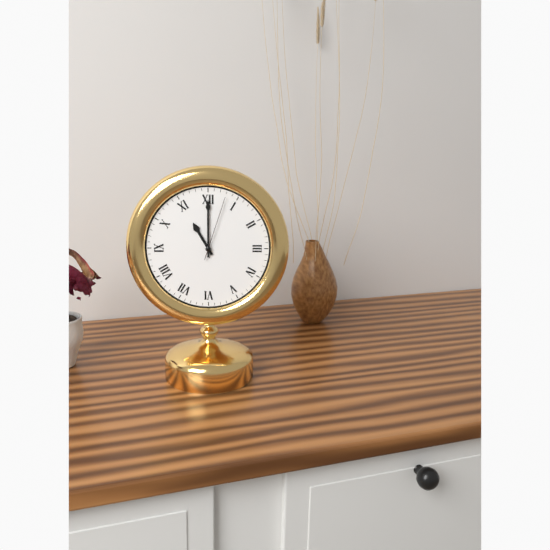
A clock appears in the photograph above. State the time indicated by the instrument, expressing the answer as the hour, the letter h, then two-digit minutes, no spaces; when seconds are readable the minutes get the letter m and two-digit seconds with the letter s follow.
11h00m03s
